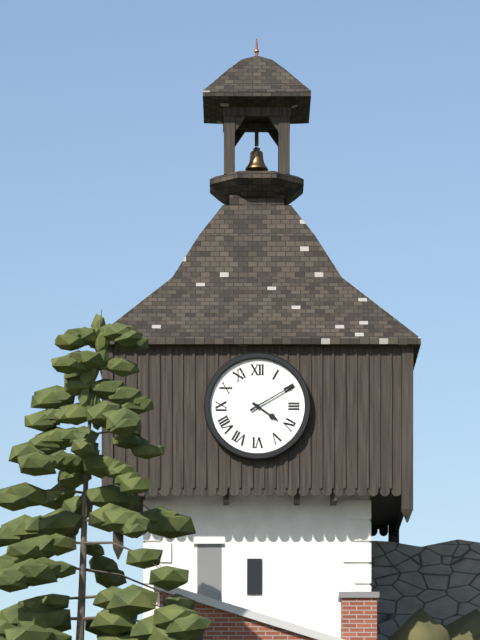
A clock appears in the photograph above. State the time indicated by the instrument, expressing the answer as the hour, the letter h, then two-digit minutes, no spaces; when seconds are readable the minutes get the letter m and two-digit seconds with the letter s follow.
4h10
